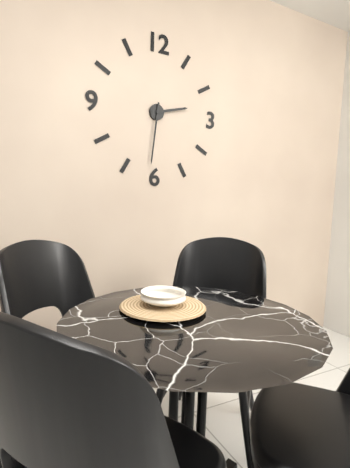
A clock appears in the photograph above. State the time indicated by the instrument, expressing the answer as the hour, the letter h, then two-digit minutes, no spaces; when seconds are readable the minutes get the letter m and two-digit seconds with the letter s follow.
2h31
